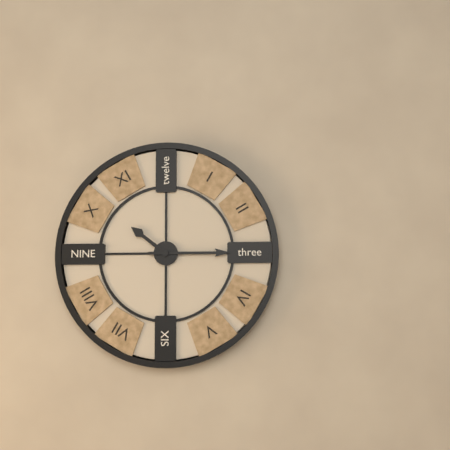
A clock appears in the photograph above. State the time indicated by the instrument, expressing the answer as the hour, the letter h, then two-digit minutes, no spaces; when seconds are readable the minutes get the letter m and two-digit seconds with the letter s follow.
10h15
